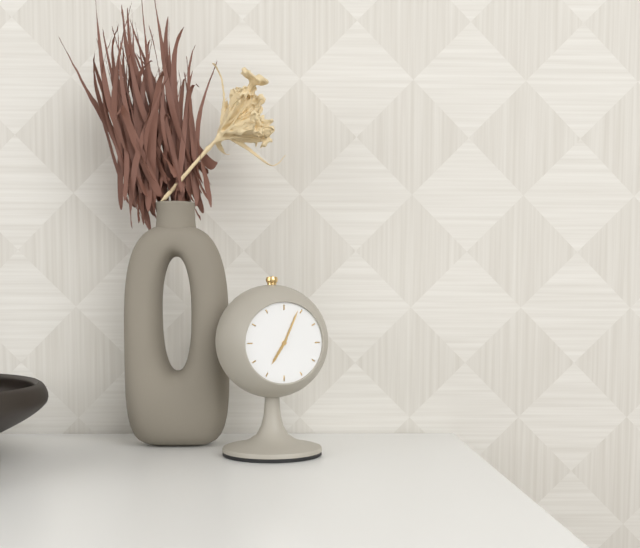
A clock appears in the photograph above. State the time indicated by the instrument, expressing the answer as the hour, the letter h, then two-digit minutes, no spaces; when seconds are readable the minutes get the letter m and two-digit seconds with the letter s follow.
7h04
